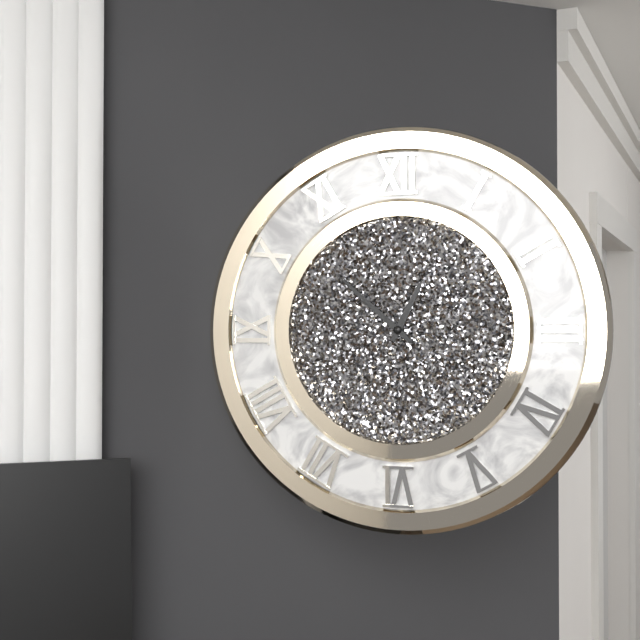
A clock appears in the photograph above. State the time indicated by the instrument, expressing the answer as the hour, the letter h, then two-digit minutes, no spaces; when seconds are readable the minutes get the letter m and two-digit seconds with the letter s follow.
12h52
